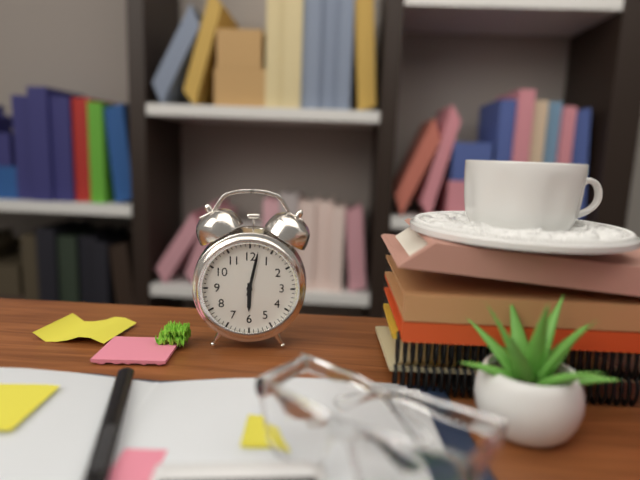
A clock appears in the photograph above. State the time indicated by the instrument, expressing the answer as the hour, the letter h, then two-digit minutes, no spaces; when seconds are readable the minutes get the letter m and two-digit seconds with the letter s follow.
6h02
